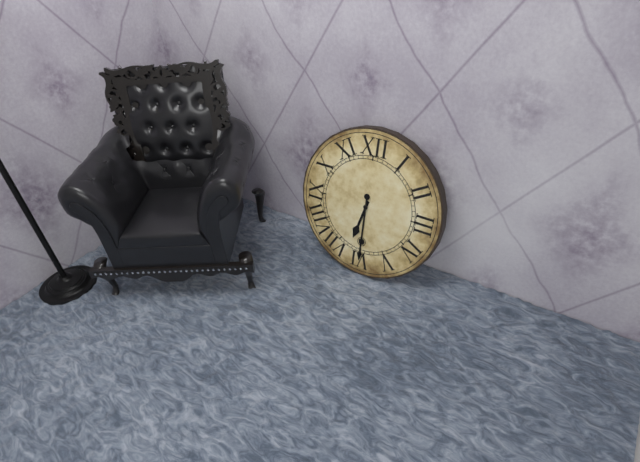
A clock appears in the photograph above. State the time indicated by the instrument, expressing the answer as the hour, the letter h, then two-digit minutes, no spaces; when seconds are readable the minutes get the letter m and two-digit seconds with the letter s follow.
6h30
